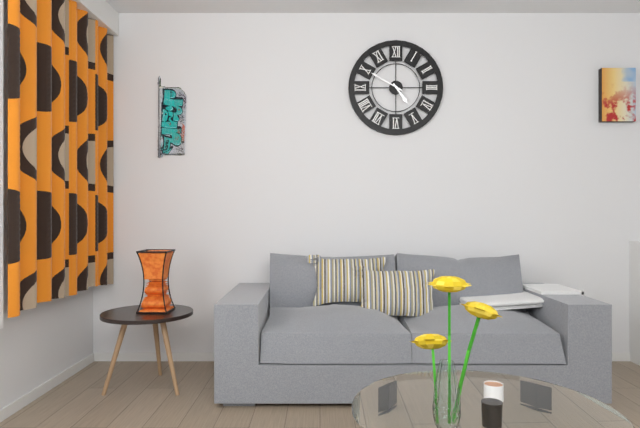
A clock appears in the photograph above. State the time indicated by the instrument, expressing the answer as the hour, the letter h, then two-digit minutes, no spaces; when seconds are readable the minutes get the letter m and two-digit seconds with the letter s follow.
4h50
